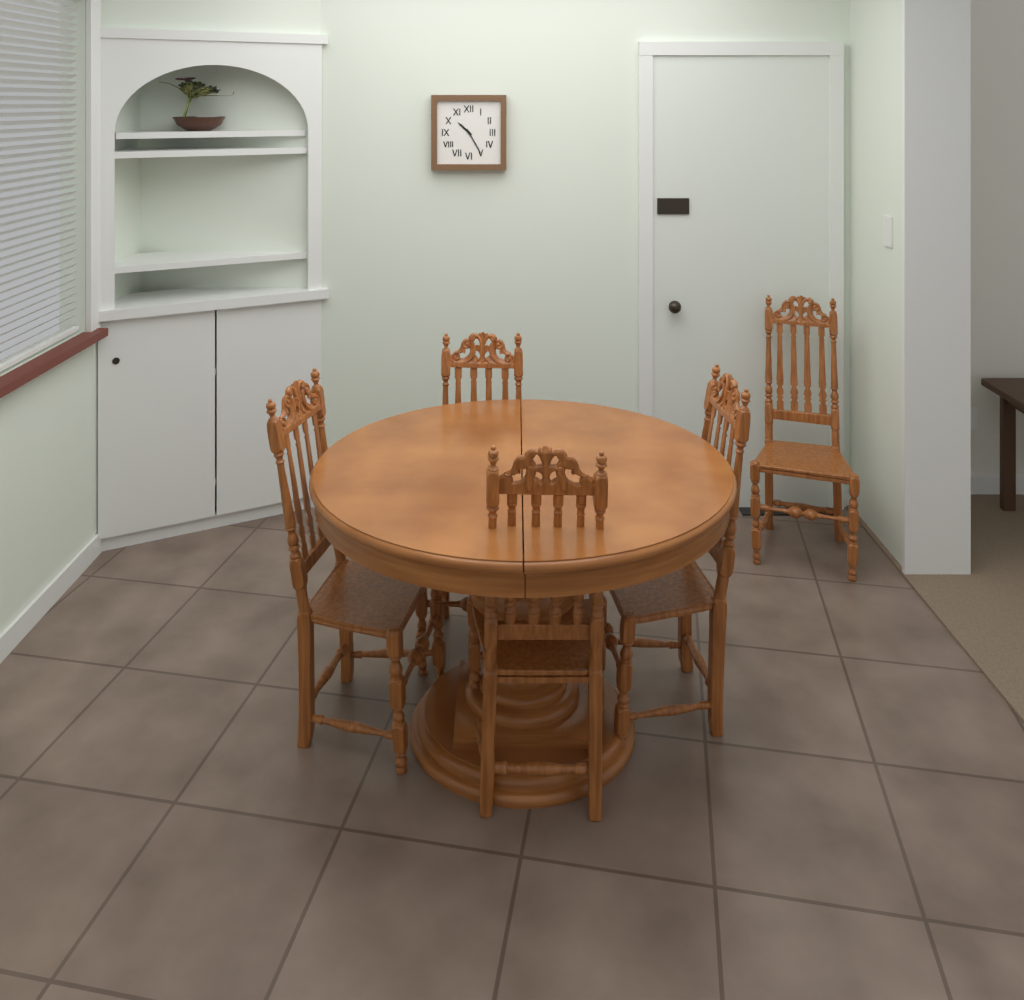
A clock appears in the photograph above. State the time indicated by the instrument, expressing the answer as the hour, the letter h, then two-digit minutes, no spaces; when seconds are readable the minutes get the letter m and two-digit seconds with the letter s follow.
10h25
